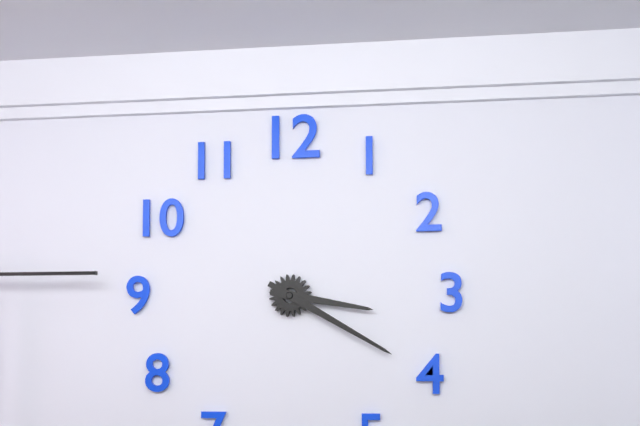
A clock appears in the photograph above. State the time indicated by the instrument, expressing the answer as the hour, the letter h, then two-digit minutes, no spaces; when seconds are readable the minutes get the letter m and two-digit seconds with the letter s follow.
3h20
